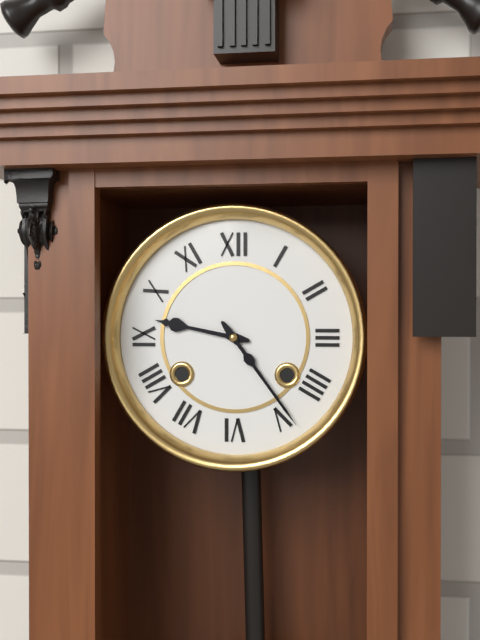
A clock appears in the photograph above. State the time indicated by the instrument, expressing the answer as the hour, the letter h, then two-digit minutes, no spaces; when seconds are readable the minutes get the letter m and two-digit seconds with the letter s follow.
9h24
